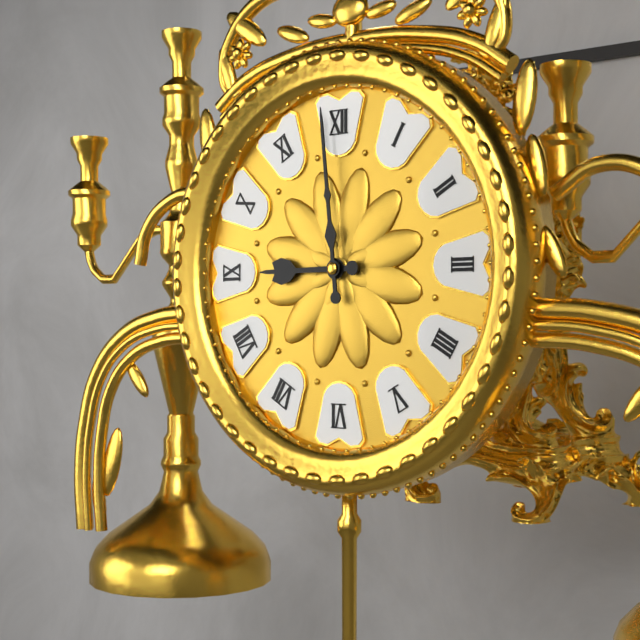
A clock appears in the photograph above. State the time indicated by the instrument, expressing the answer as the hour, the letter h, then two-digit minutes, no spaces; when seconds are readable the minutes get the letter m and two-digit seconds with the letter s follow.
8h59
